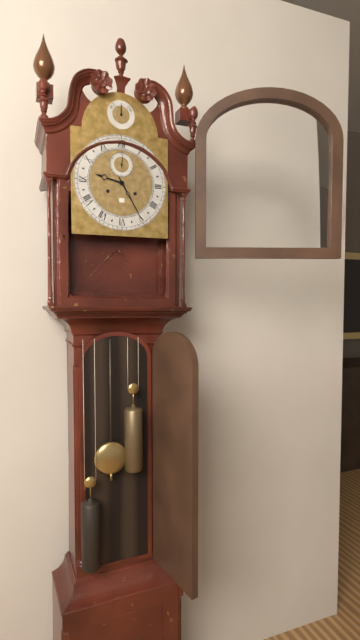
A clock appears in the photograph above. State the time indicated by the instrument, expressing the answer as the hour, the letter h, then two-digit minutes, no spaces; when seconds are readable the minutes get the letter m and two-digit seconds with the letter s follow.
9h25
